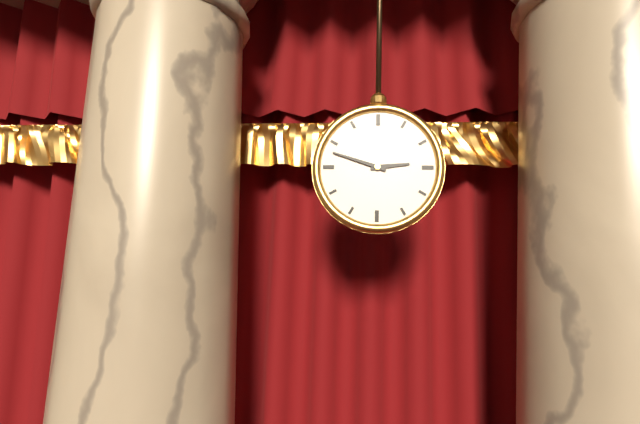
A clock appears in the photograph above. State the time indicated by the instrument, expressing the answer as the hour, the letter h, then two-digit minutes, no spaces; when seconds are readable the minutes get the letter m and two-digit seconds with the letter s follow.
2h48
